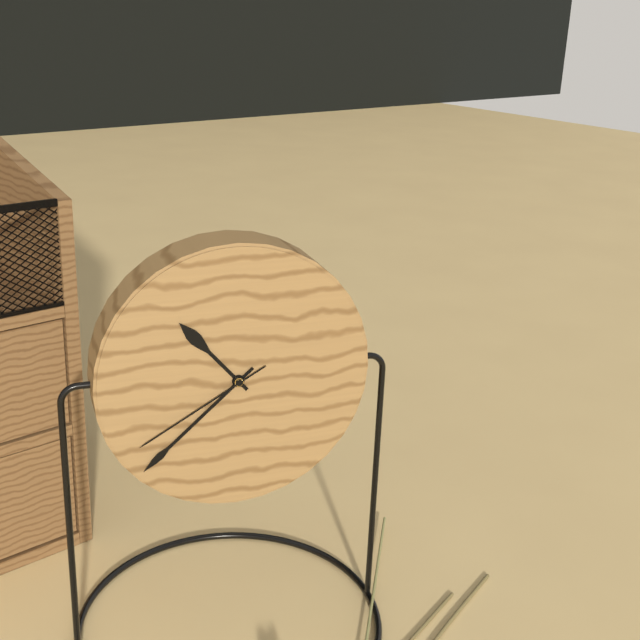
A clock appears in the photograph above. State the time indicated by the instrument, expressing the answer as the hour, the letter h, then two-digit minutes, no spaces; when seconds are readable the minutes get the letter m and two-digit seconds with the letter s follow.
10h38m40s
